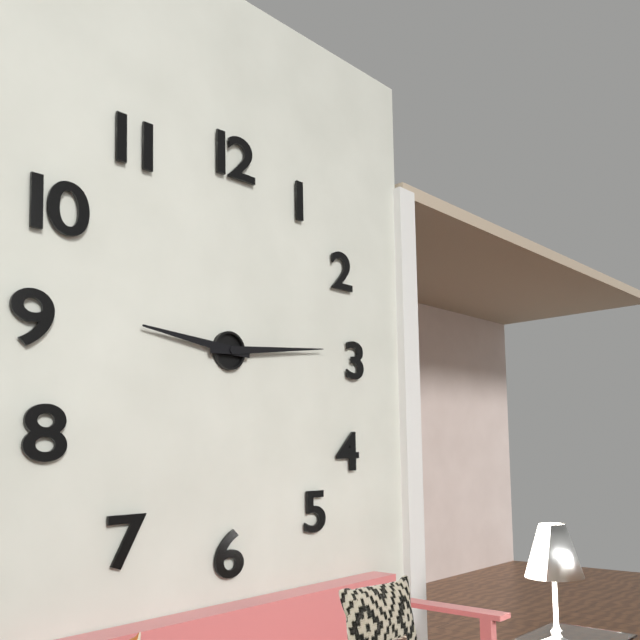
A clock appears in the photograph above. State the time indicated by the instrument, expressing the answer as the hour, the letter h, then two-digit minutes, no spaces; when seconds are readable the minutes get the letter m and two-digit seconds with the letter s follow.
9h14
